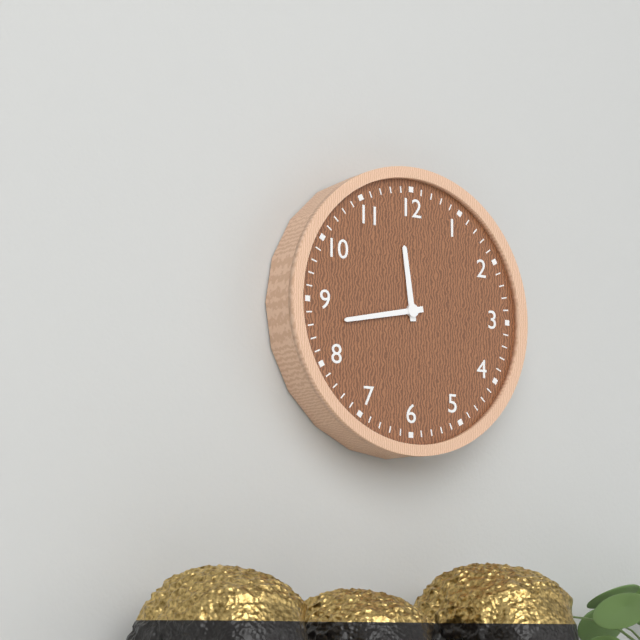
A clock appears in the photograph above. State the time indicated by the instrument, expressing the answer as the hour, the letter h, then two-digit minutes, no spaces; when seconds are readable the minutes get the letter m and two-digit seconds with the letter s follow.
11h43
